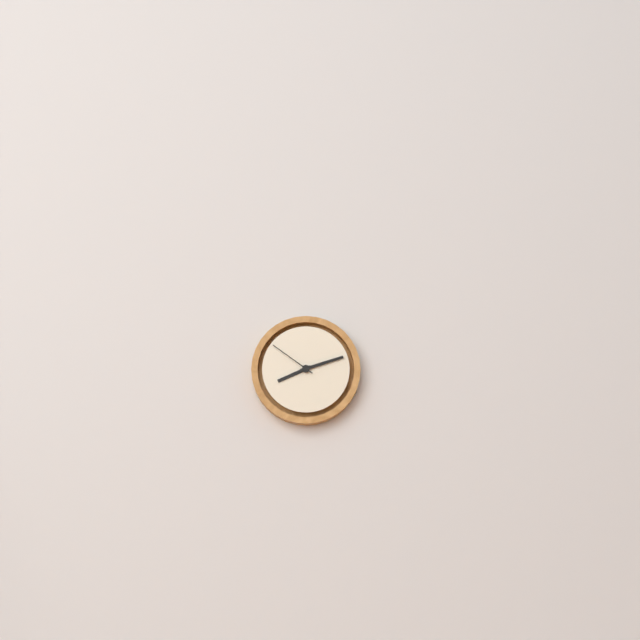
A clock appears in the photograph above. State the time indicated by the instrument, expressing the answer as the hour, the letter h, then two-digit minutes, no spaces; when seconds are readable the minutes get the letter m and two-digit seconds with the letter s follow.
8h12m51s
